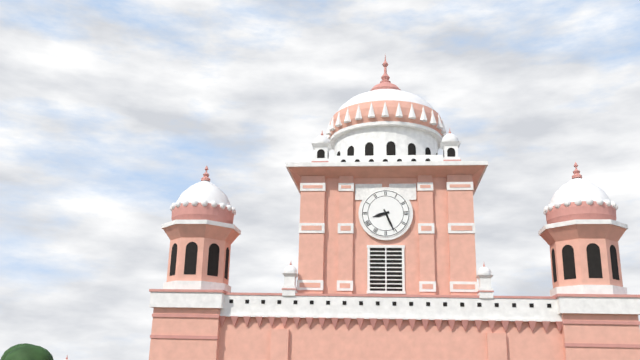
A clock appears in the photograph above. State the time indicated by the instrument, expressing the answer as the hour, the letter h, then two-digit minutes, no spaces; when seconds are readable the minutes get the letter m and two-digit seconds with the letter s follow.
8h26
